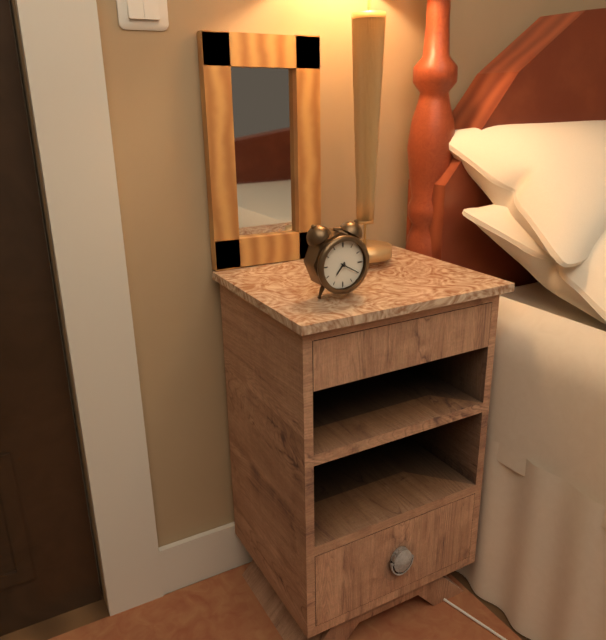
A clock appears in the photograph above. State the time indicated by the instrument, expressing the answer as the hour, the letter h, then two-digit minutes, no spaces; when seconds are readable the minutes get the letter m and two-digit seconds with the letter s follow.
7h20
